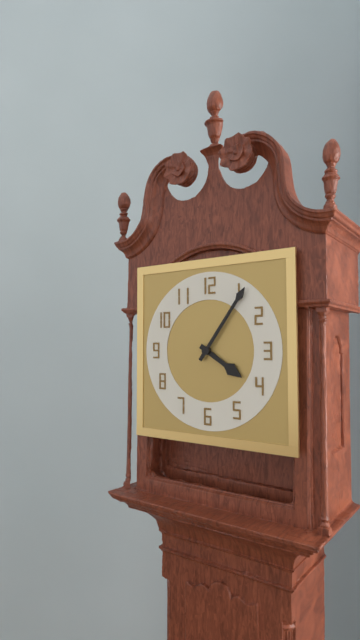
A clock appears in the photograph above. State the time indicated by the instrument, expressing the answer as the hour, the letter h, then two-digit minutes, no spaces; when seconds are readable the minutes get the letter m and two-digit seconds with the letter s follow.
4h06
